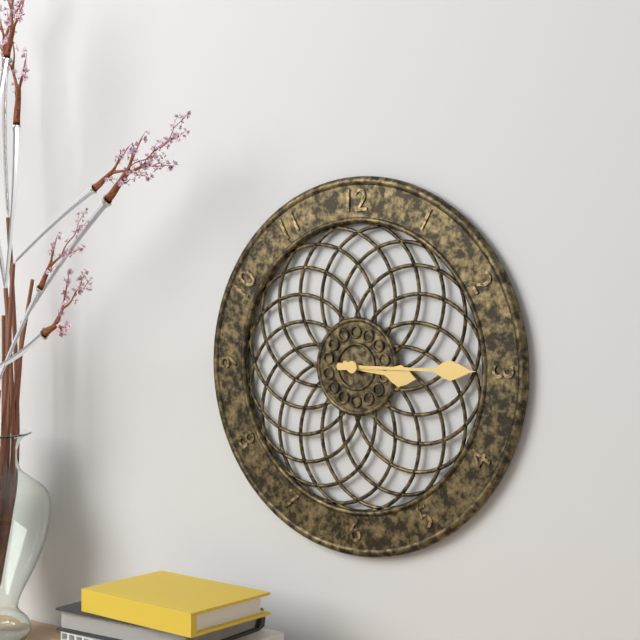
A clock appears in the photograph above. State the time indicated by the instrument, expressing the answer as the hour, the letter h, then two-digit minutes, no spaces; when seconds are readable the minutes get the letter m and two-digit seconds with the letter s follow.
3h15
